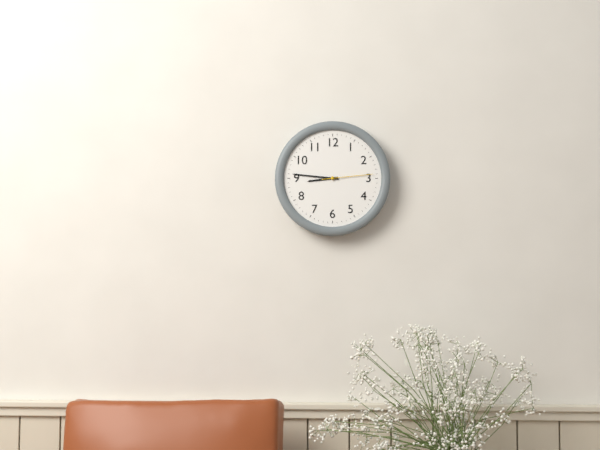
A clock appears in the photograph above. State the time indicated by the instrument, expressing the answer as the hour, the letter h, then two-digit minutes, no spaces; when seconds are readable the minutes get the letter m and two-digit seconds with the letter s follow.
8h46m14s
